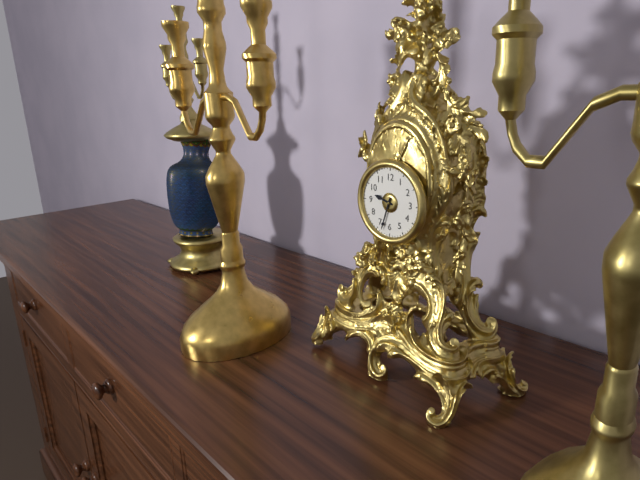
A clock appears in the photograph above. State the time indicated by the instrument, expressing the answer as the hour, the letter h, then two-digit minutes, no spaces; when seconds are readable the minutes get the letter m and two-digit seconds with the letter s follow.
9h33
